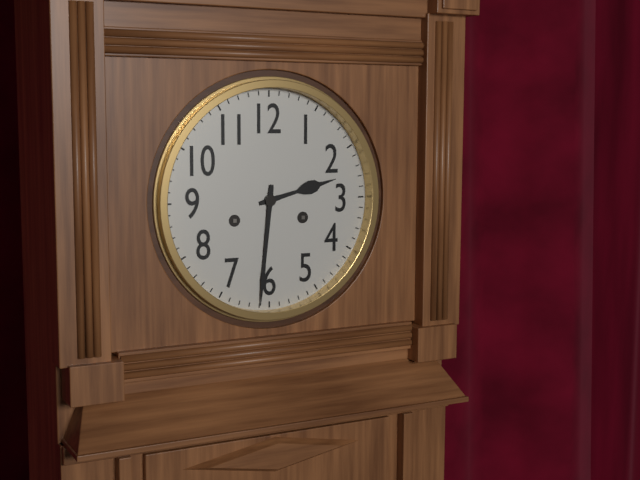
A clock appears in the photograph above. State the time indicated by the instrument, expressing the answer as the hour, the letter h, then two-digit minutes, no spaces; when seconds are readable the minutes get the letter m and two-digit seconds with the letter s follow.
2h31
